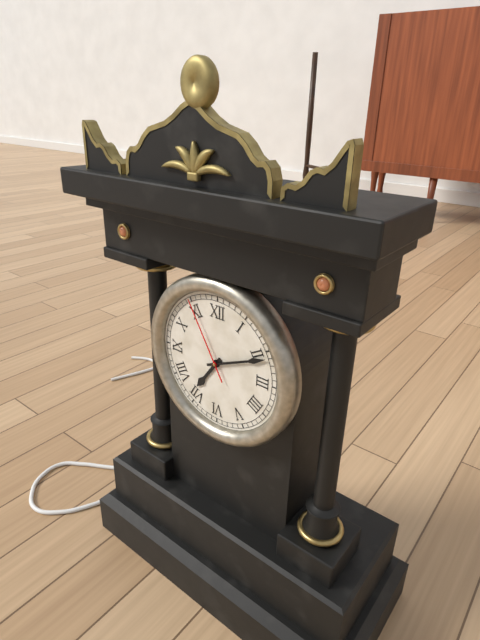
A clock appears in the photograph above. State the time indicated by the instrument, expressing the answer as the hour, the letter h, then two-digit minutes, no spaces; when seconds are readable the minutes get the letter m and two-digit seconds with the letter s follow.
7h11m55s
